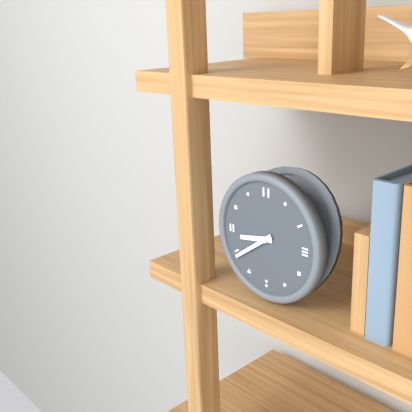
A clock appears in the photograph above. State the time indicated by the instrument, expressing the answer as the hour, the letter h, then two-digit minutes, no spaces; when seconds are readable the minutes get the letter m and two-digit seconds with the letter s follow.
8h39
